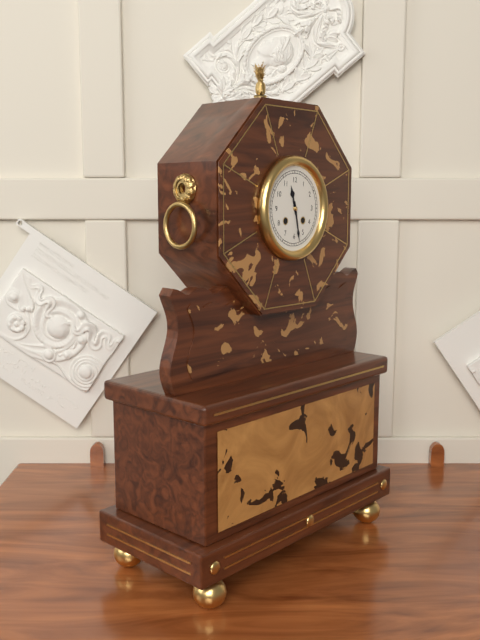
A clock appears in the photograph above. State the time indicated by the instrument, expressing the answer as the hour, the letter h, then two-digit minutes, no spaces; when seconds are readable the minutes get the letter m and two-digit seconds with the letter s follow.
11h28
